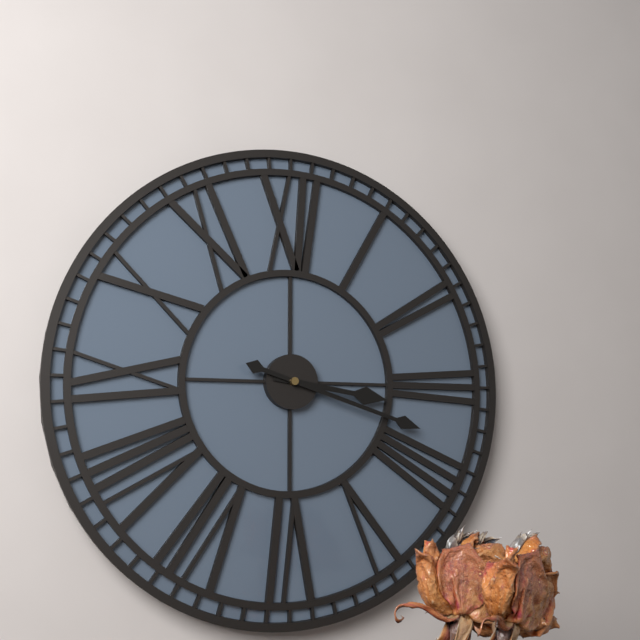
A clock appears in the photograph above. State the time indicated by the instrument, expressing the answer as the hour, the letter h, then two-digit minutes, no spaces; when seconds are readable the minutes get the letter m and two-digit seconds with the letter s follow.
3h18
